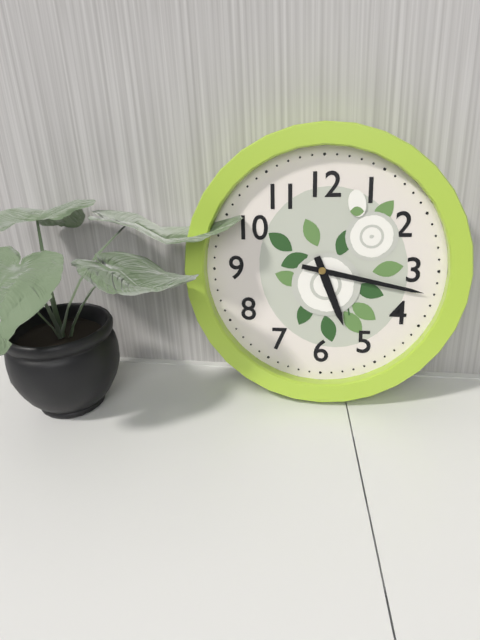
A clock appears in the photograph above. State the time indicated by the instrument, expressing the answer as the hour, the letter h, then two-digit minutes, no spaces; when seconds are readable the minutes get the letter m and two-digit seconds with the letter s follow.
5h17
